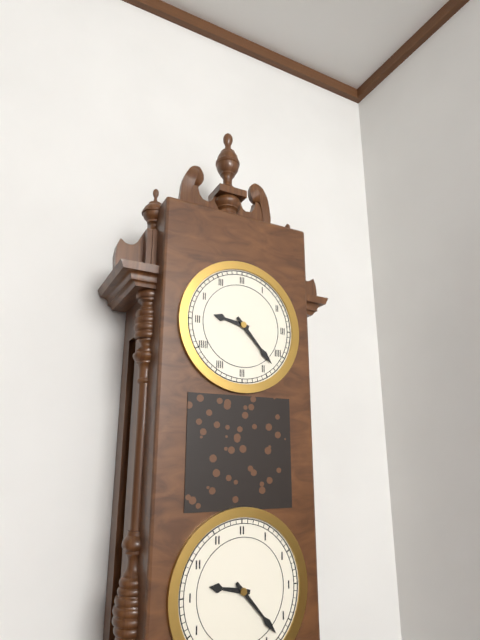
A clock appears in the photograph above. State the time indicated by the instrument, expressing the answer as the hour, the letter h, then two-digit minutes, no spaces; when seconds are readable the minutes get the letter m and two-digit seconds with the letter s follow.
9h23
